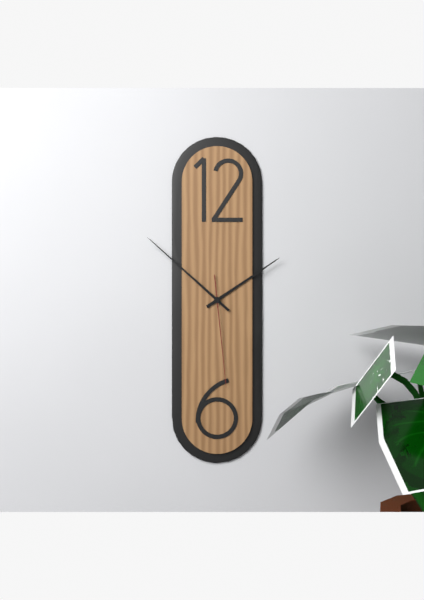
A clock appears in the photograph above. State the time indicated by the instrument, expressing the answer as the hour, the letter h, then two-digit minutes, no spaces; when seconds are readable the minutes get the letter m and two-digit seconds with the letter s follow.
1h52m29s
